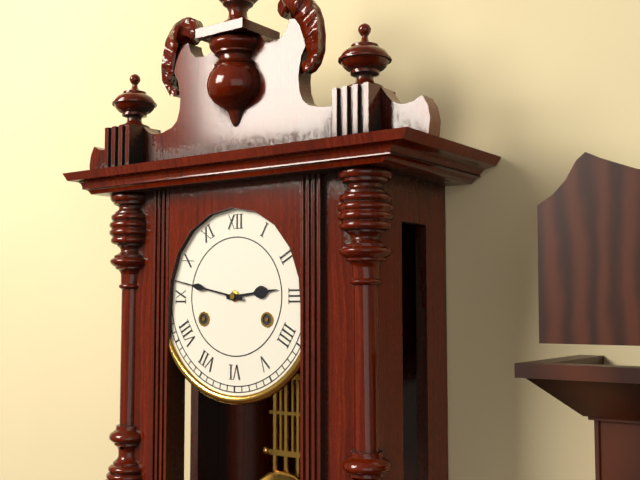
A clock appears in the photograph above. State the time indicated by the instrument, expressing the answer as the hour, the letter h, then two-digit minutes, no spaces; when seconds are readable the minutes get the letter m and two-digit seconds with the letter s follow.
2h47
